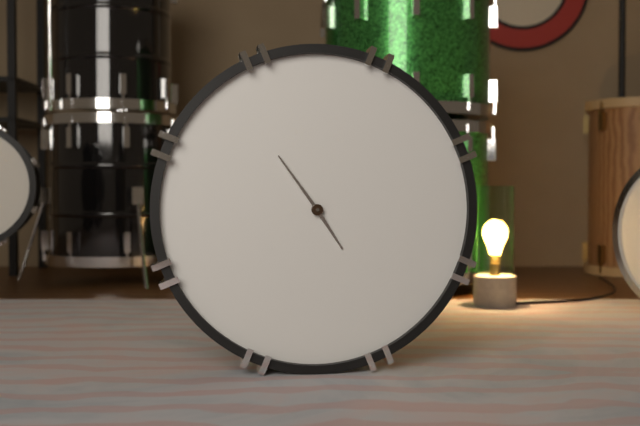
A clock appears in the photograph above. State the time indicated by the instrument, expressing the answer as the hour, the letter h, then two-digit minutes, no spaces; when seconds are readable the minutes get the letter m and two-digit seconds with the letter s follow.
4h54
